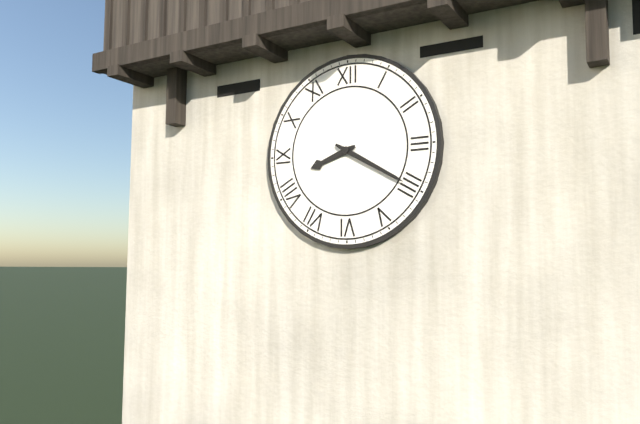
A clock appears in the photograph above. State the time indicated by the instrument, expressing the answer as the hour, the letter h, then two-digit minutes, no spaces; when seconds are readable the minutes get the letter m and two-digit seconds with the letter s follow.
8h20
